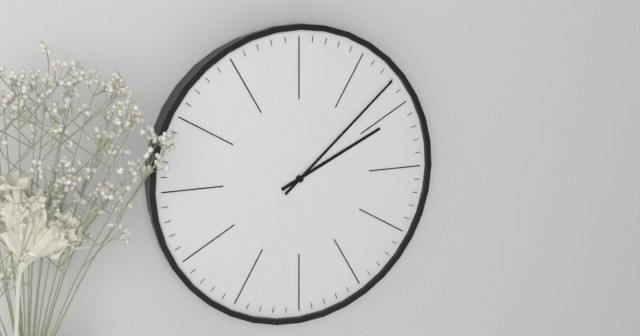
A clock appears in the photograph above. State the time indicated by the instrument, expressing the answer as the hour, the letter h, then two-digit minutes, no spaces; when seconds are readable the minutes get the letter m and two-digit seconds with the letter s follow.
2h08
